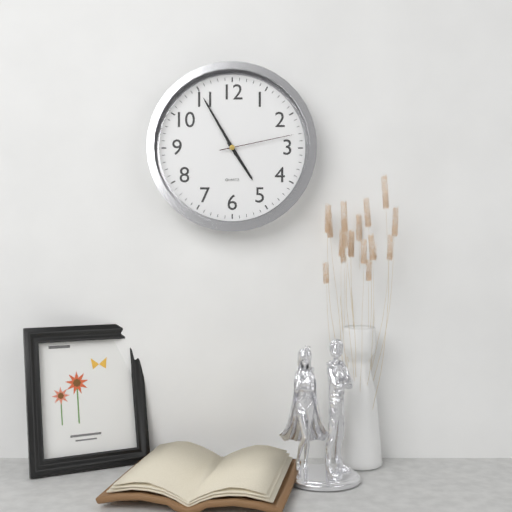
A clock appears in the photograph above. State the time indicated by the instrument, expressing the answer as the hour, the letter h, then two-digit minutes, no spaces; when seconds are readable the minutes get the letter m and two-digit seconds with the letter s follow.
4h55m13s
